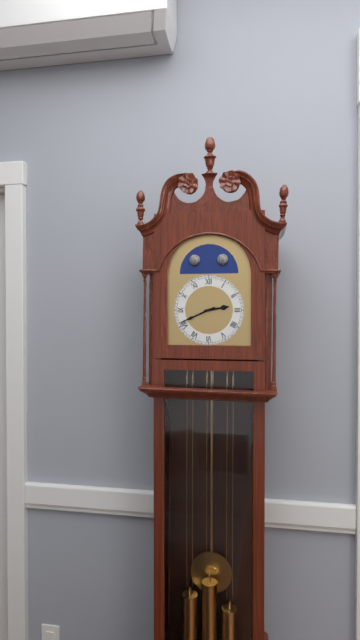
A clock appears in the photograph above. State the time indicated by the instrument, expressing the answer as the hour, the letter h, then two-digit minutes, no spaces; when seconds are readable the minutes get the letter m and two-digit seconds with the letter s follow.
2h41
